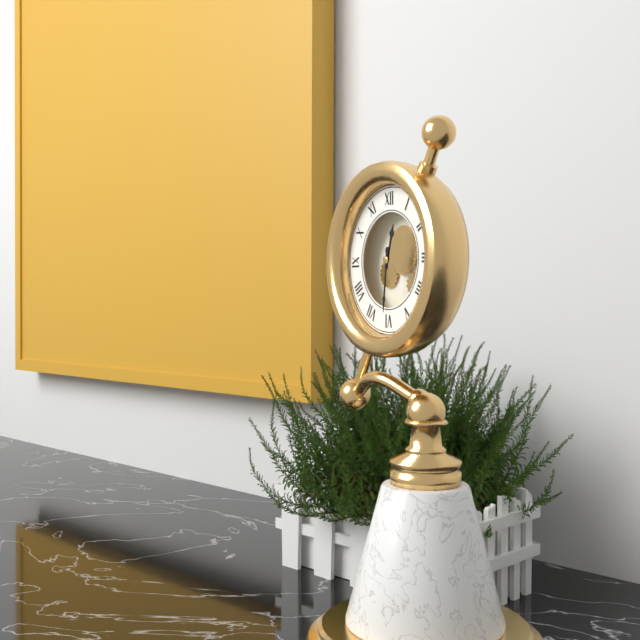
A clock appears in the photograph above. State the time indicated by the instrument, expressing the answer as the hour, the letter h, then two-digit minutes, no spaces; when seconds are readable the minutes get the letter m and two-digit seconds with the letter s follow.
12h31
